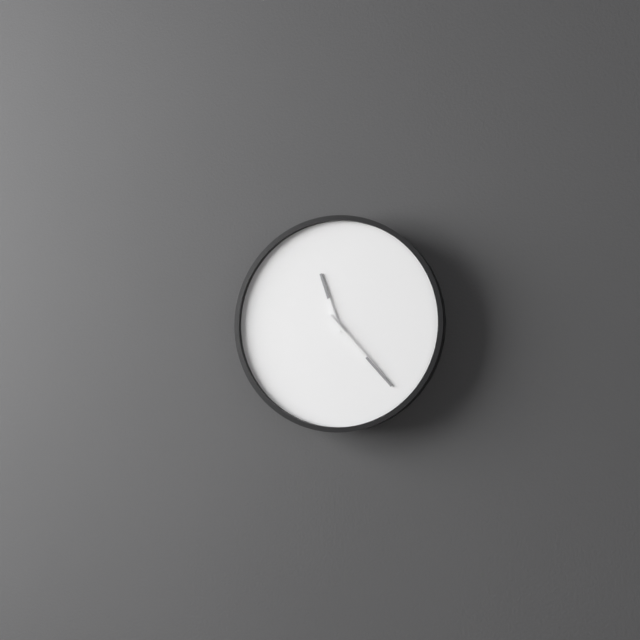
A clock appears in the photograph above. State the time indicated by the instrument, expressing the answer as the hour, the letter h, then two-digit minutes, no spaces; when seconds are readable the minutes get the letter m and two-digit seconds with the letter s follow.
11h23
